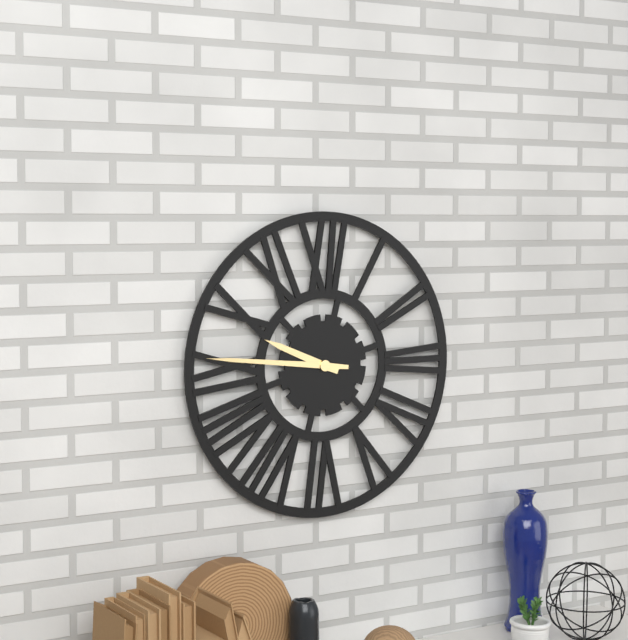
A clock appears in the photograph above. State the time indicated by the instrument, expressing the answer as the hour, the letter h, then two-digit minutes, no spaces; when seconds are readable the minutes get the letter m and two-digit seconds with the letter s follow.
9h46
